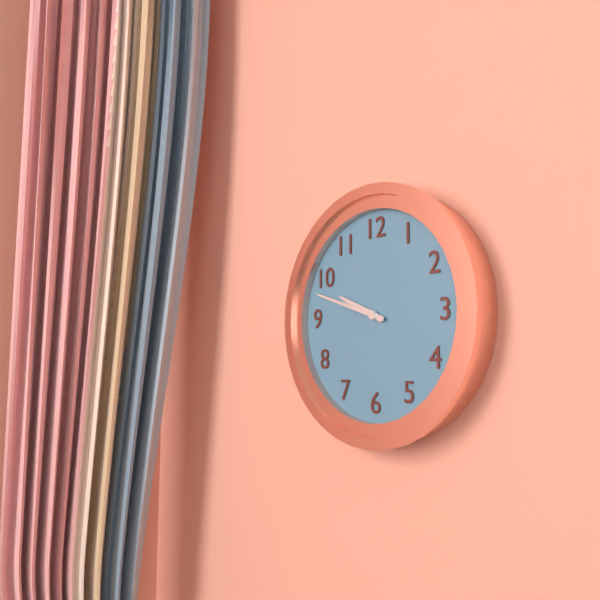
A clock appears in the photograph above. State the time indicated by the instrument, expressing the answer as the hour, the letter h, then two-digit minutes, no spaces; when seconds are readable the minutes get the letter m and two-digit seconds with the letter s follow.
9h48
